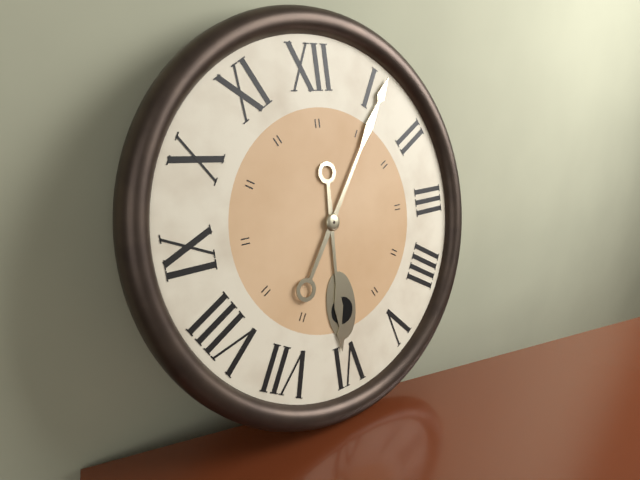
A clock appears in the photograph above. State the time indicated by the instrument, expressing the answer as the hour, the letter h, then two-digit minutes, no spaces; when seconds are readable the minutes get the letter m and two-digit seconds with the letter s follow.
6h06
